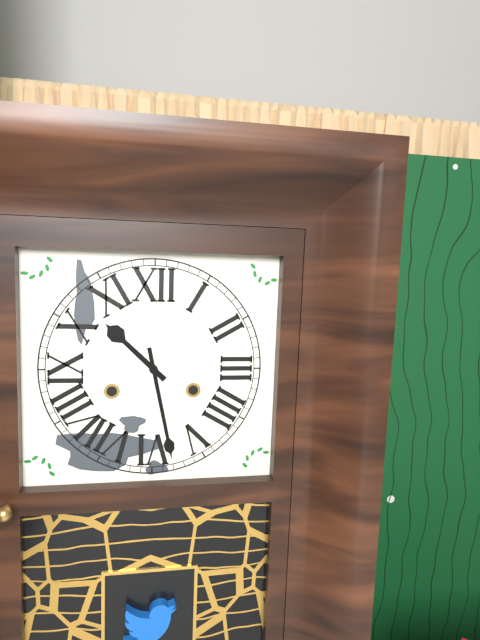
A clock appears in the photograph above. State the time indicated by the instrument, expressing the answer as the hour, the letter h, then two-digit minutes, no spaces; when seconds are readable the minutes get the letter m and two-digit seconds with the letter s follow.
10h28
